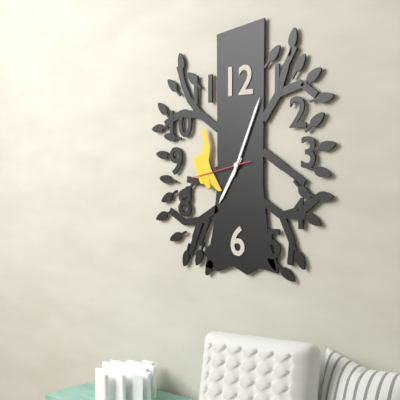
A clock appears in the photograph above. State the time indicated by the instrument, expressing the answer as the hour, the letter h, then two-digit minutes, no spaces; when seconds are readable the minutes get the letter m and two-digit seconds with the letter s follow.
7h04m43s
